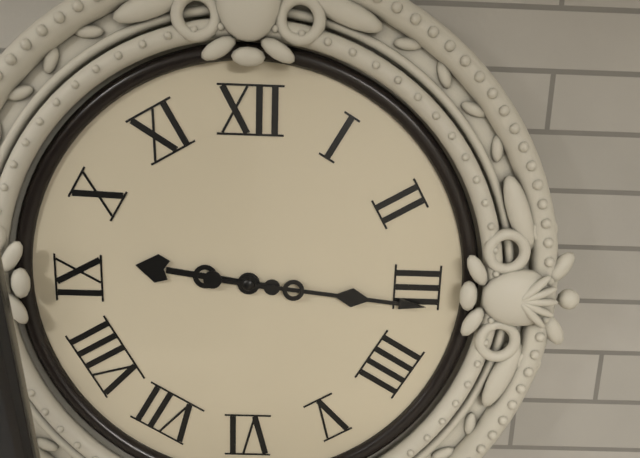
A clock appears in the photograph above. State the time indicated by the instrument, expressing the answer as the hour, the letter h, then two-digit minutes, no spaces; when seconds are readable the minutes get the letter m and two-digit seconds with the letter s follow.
9h16
